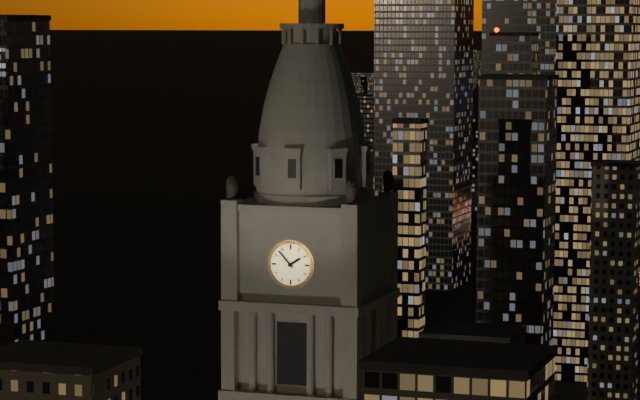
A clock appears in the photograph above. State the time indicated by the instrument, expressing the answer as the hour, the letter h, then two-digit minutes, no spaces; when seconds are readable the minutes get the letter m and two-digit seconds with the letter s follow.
1h53
